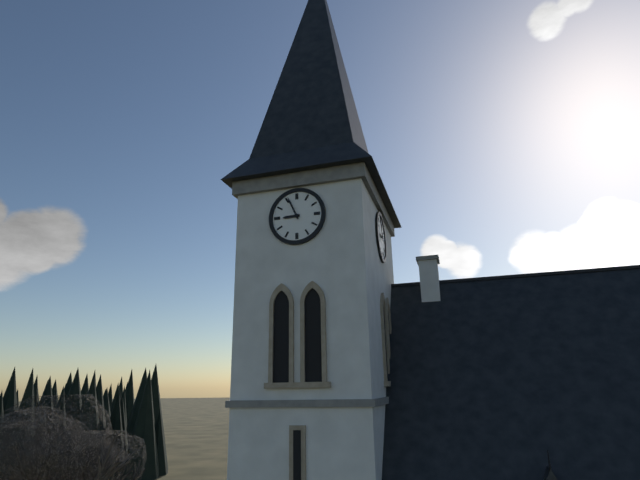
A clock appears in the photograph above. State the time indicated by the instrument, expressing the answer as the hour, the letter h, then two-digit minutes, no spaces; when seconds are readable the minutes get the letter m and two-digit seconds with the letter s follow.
8h56
